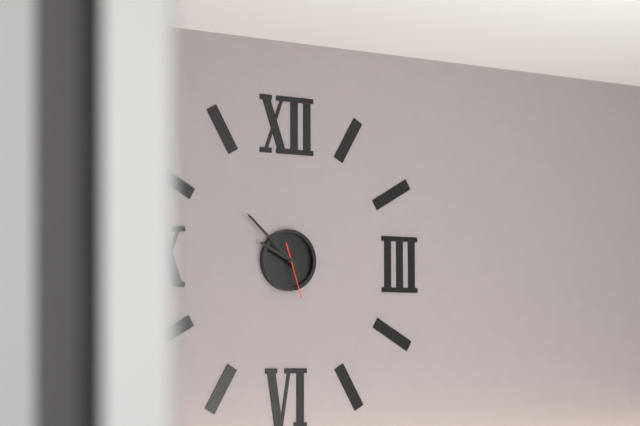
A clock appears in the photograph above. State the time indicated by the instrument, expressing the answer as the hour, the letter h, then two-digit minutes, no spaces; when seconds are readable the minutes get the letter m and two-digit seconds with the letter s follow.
9h52m27s
